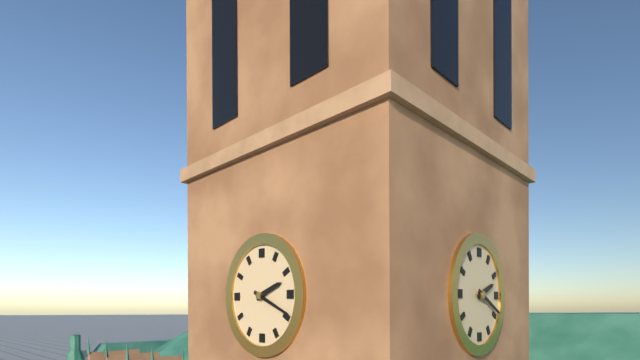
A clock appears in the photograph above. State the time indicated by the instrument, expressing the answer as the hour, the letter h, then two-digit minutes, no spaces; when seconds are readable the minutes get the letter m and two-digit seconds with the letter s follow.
2h19
